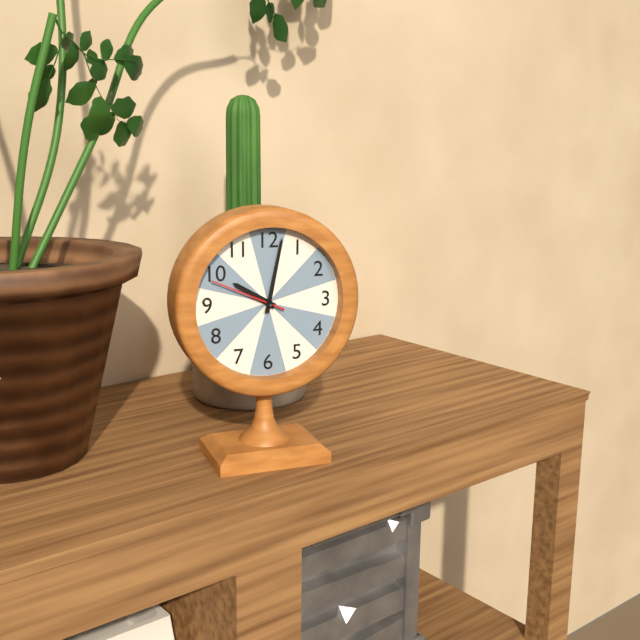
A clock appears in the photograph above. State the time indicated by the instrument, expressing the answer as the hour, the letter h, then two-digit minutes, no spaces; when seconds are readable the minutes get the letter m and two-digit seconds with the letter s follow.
10h02m49s
